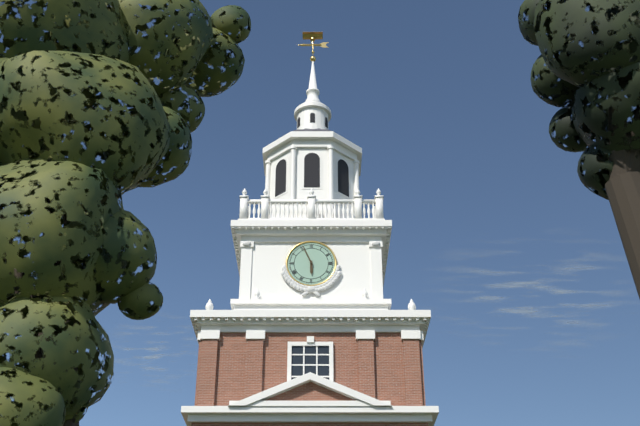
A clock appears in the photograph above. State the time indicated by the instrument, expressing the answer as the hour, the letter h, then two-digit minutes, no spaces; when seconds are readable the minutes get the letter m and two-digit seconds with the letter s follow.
5h56
